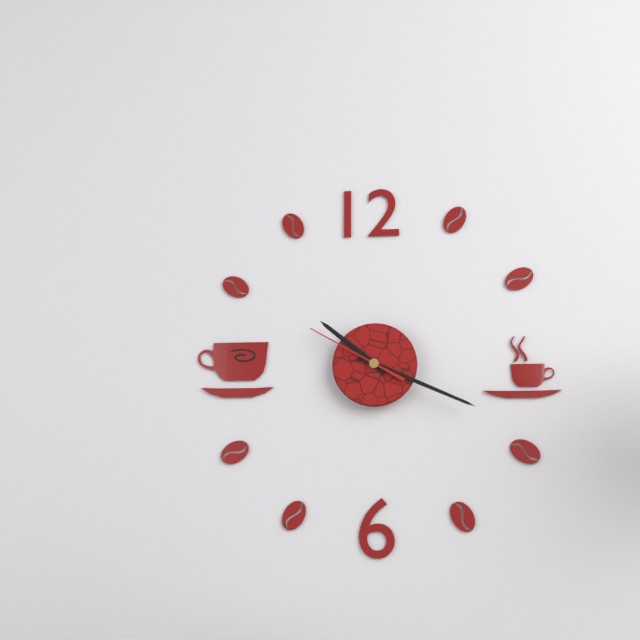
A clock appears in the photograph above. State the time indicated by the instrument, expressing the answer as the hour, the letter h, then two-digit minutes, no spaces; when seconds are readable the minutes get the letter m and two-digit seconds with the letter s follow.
10h19m50s
